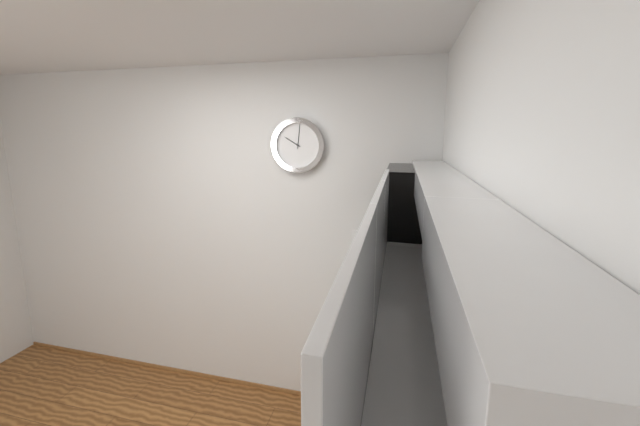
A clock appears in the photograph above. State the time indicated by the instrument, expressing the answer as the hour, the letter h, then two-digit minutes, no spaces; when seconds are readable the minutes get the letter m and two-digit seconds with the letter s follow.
10h01
